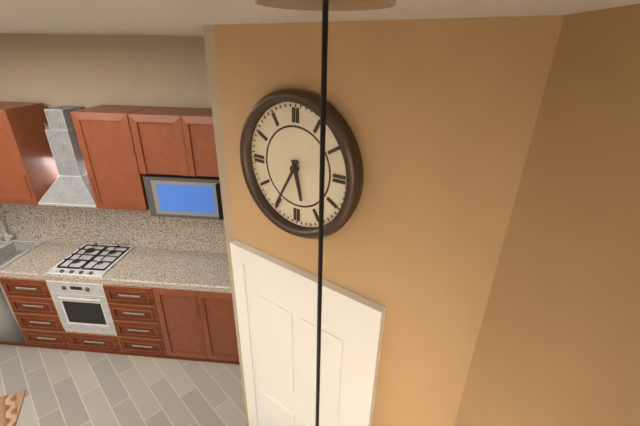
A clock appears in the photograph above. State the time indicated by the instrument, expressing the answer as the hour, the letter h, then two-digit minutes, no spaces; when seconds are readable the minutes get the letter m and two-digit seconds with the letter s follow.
5h35
